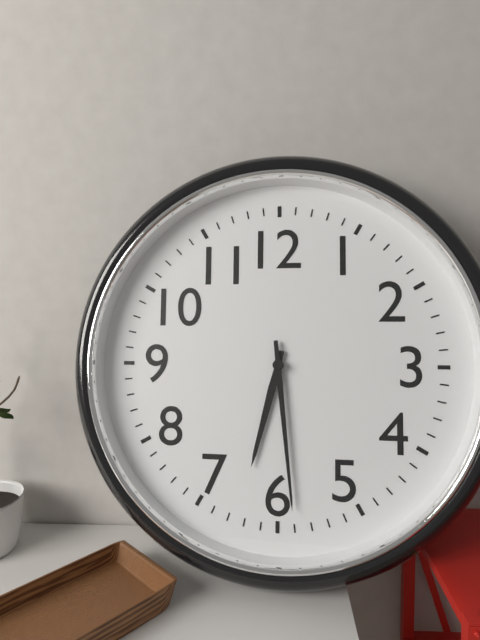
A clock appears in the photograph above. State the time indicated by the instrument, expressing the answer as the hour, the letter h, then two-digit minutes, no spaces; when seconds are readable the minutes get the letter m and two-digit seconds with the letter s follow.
6h29
